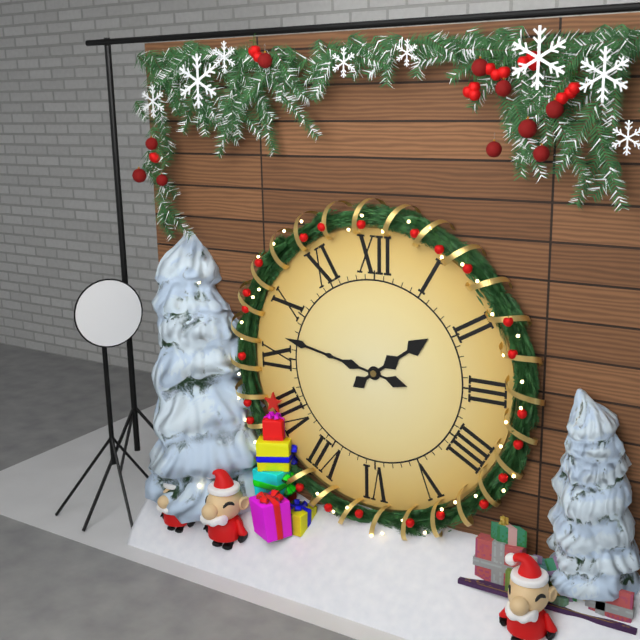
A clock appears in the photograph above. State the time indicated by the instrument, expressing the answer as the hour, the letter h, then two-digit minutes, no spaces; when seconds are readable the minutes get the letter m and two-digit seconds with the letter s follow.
1h47
